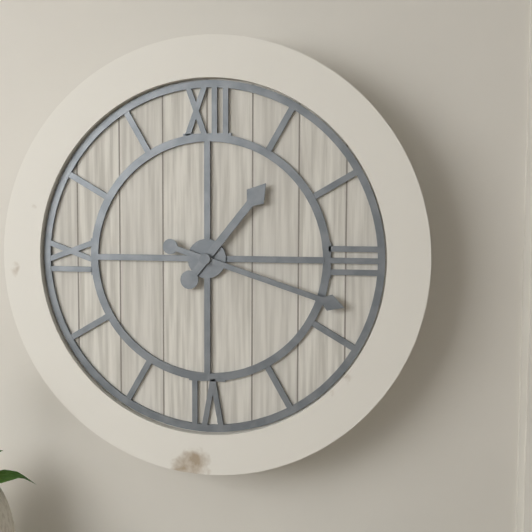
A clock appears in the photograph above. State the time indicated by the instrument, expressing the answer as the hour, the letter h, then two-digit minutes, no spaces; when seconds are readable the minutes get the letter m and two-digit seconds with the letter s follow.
1h18
